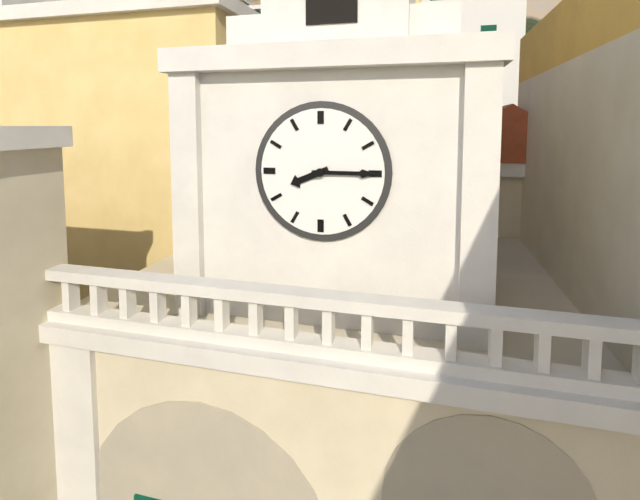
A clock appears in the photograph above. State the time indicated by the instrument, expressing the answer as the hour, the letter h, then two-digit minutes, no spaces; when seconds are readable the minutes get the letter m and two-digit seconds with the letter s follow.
8h15
